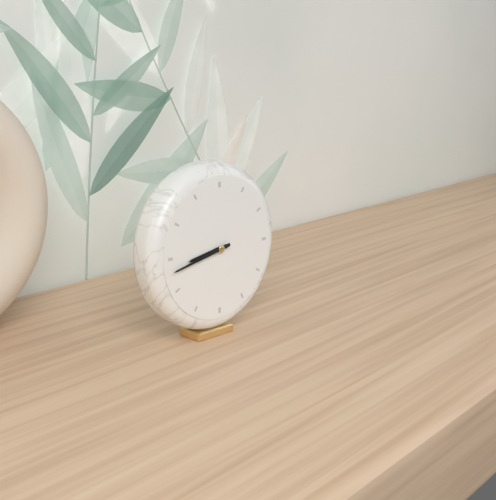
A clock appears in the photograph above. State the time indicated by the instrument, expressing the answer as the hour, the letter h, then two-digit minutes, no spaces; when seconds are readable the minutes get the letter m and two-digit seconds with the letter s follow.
8h43
